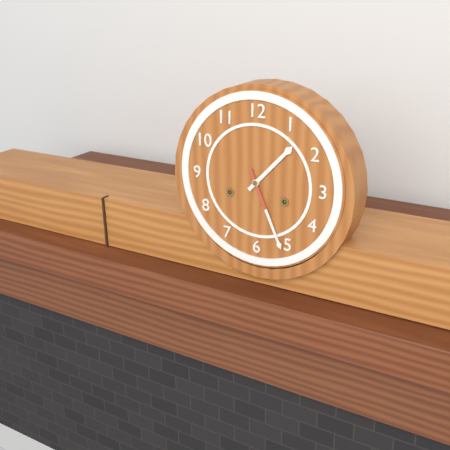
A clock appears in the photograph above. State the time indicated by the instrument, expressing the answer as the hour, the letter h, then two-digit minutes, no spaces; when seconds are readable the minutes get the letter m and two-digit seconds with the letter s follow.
1h26
